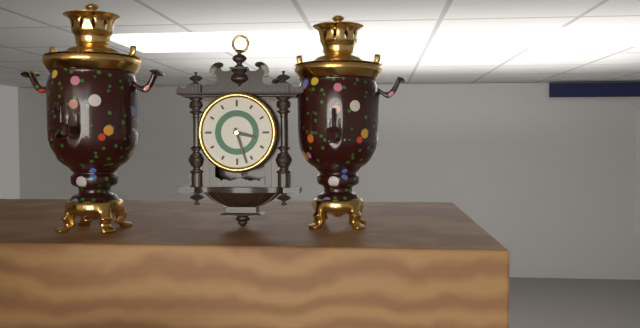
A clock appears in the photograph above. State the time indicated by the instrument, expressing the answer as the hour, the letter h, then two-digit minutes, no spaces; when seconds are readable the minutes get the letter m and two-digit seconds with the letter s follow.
3h27
